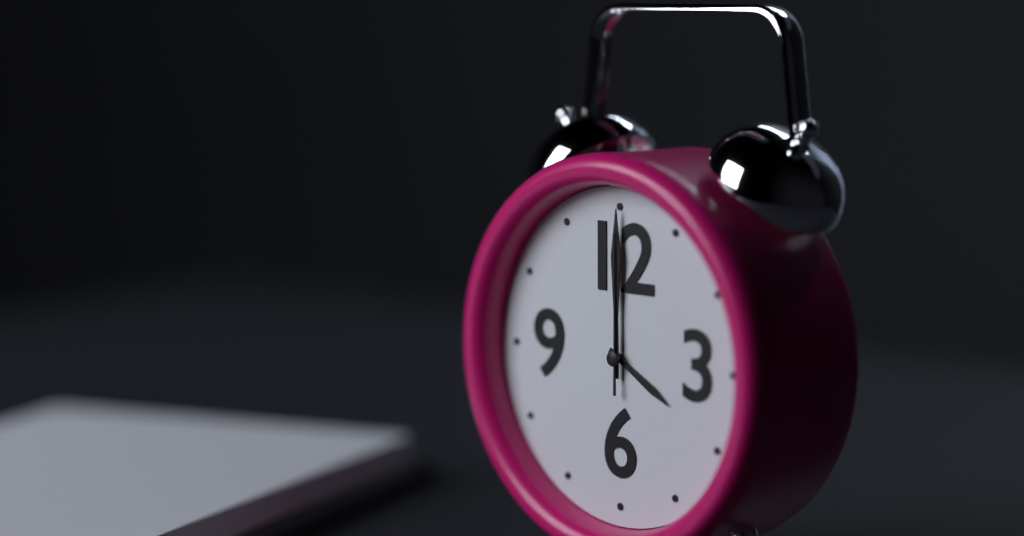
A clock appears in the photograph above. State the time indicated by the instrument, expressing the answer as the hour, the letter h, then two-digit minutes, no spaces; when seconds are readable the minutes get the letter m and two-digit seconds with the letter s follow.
4h00m00s
